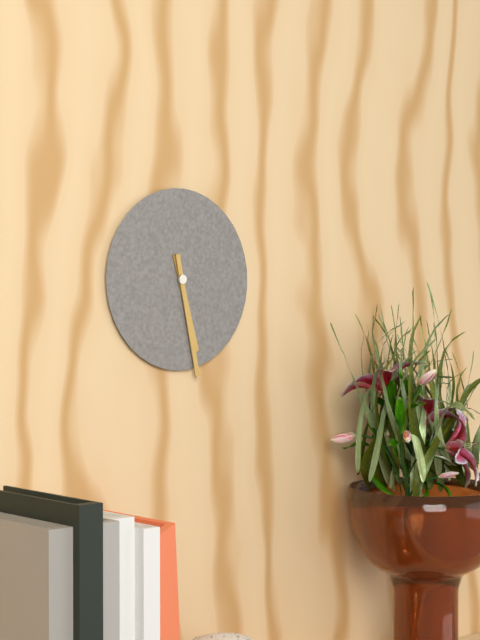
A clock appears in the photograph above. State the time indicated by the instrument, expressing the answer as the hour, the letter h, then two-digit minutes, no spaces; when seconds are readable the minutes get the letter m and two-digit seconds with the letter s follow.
5h28
